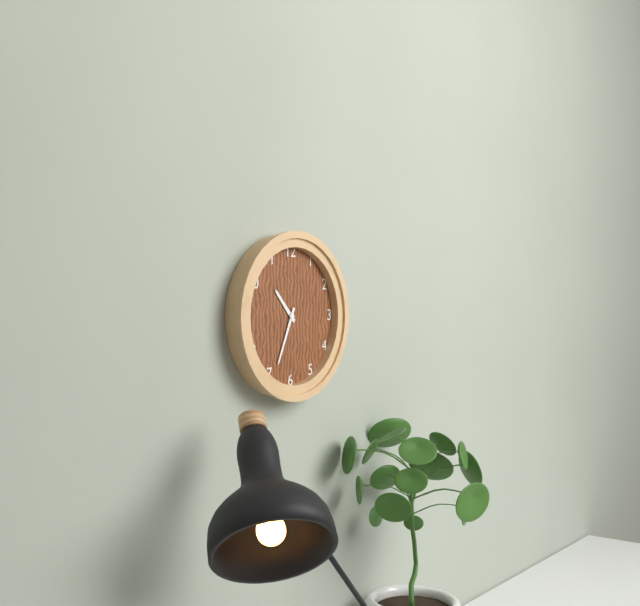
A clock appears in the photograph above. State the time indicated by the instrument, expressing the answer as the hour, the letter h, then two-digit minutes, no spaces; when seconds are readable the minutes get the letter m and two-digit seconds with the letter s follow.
10h34
